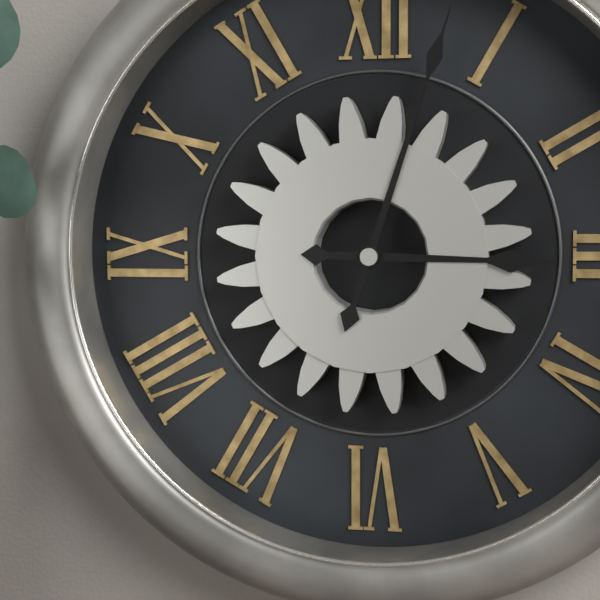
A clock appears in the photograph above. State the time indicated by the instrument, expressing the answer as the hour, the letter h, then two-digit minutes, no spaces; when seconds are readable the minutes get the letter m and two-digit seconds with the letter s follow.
3h03
